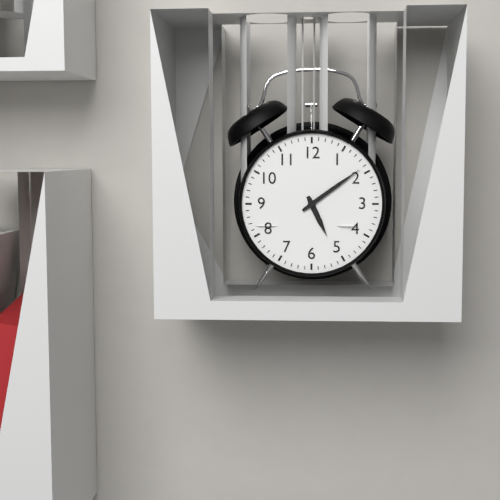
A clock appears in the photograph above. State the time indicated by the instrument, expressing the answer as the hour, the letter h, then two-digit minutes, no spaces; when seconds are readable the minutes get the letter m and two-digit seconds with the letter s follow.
5h09
